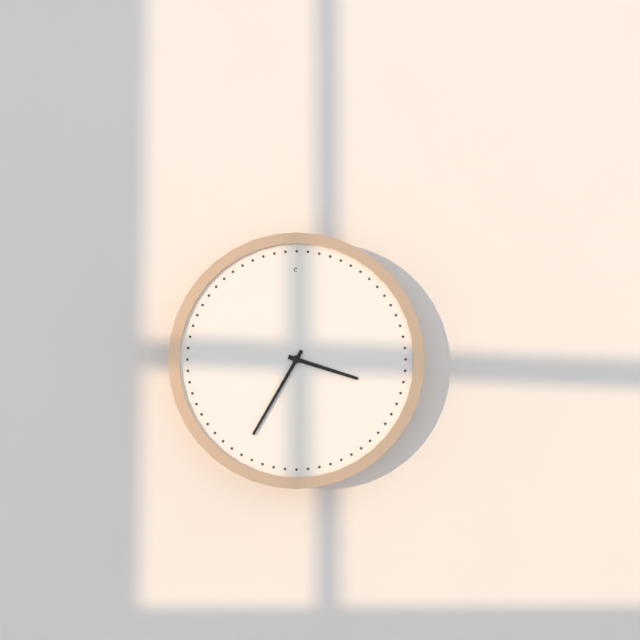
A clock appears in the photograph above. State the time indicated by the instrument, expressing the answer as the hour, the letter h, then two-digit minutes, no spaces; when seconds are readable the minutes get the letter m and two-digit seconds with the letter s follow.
3h35
